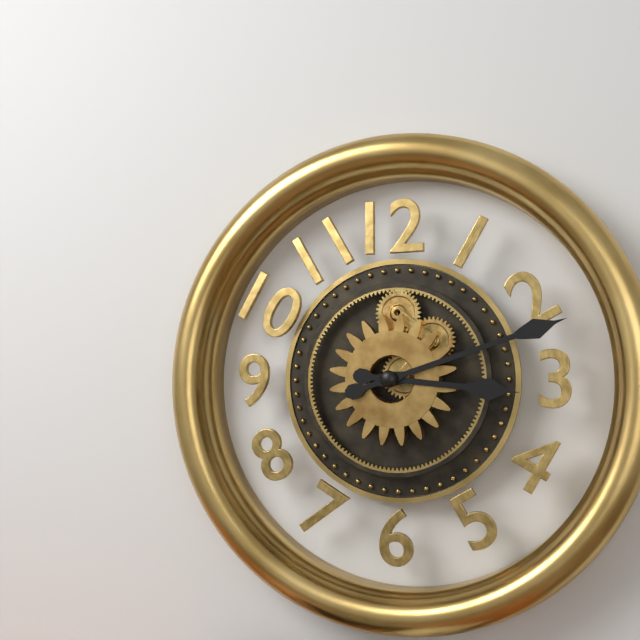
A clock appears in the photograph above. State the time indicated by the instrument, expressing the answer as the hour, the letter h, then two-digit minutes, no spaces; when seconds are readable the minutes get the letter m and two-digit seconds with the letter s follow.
3h12
